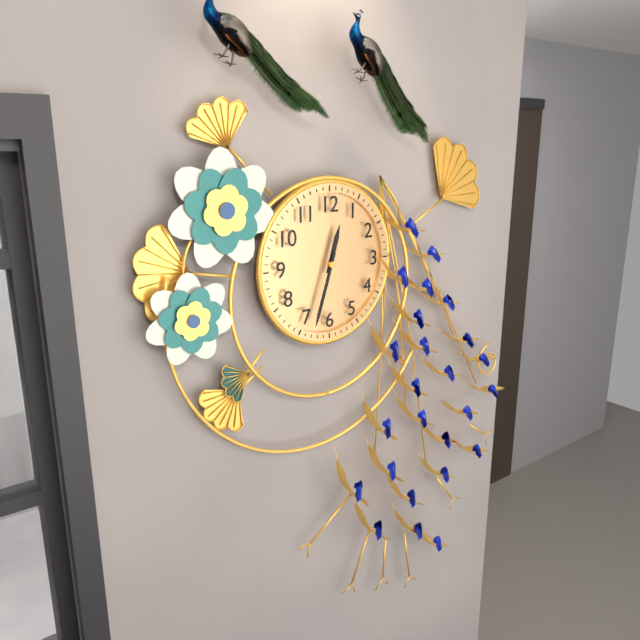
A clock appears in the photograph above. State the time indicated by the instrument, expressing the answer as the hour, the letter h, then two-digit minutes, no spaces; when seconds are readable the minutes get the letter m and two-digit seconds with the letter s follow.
12h33
